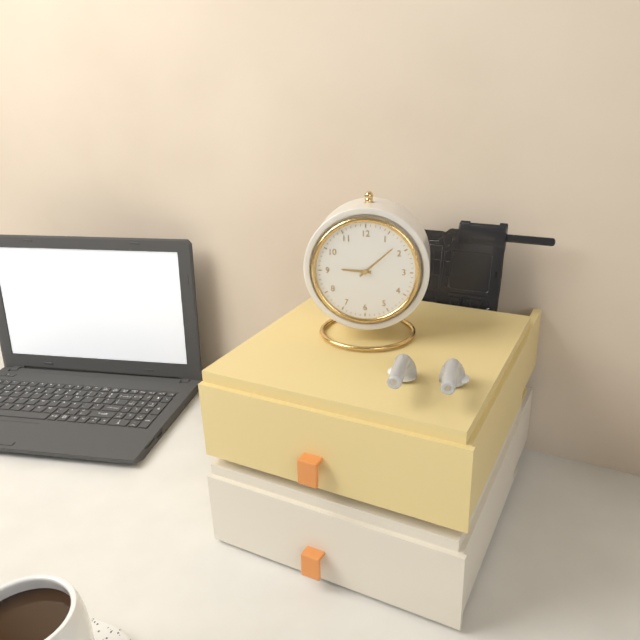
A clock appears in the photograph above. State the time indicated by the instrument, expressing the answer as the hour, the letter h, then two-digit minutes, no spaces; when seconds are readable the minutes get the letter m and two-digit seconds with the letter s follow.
9h08
